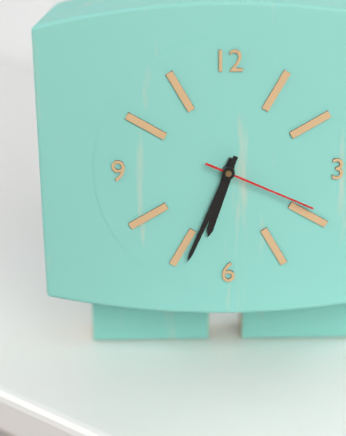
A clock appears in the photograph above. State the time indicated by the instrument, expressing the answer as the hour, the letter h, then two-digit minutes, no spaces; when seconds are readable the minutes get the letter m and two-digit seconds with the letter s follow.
6h34m19s
